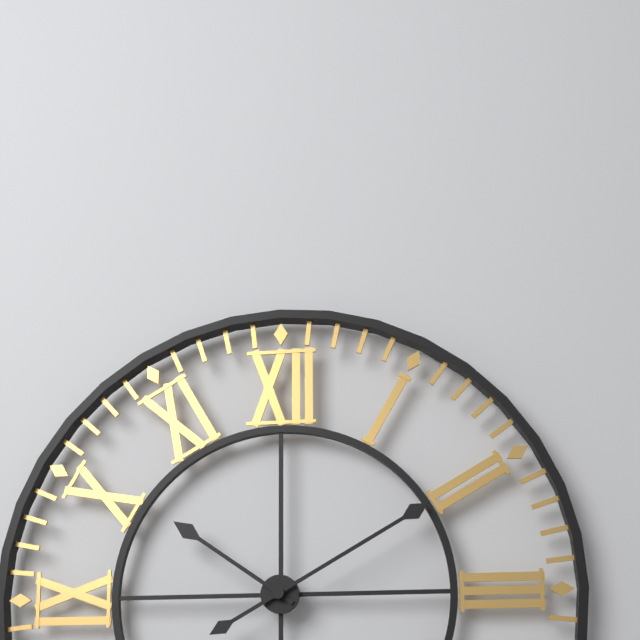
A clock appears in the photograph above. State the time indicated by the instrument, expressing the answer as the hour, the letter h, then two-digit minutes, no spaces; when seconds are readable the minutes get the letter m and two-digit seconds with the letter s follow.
10h10
